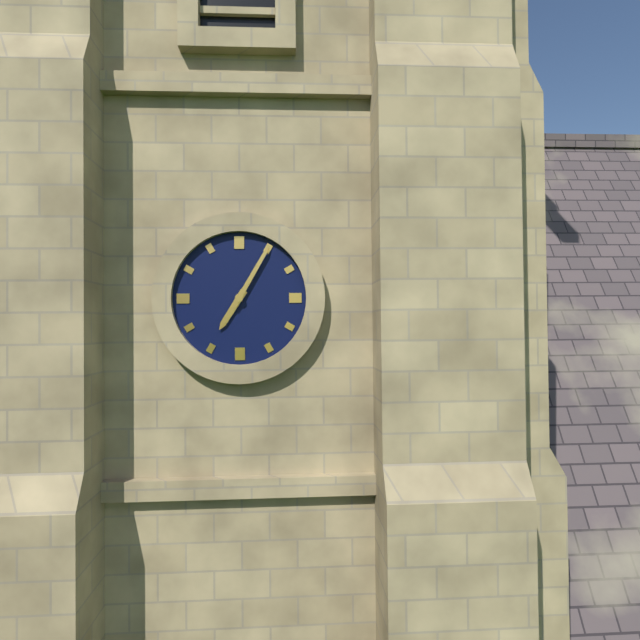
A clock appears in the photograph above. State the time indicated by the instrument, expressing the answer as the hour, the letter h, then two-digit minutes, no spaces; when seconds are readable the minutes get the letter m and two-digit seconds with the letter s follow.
7h05
